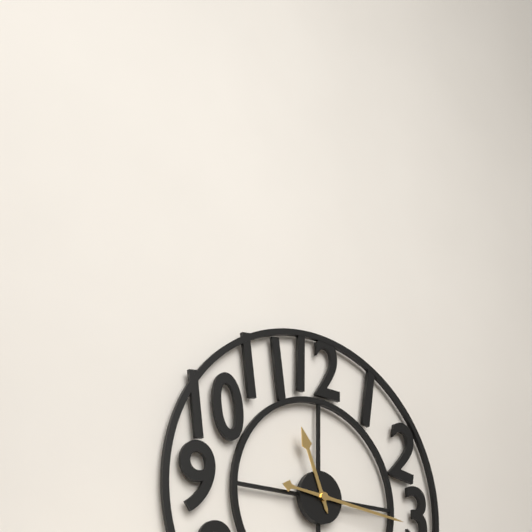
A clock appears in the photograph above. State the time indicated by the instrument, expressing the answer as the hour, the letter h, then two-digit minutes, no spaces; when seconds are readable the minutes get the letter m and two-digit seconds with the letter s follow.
11h16
